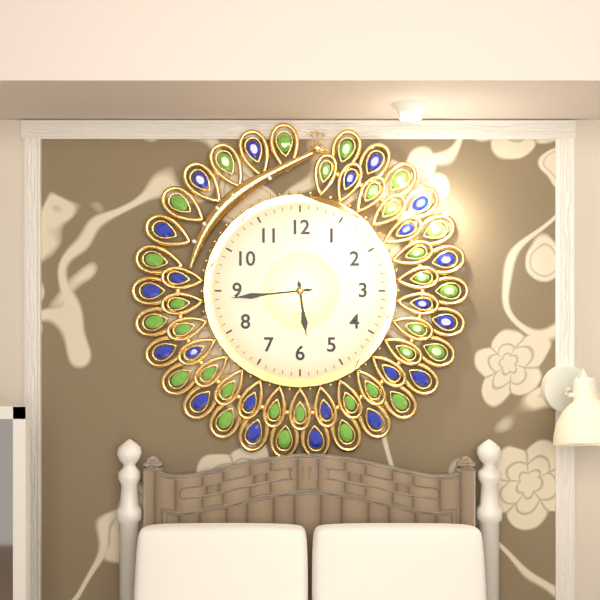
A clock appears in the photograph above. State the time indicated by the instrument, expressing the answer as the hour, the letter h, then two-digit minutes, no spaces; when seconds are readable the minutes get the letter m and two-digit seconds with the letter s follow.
5h44
